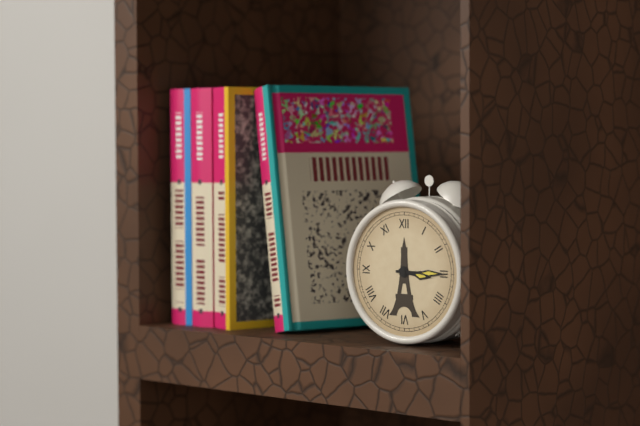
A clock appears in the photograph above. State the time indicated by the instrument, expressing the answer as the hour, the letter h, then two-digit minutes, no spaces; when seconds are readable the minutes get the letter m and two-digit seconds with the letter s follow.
3h15
